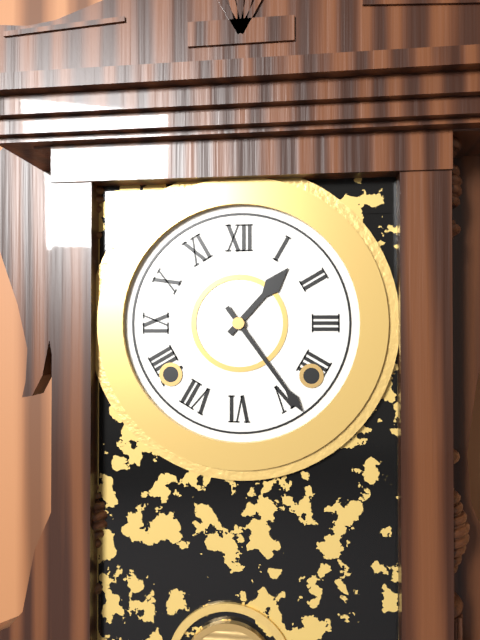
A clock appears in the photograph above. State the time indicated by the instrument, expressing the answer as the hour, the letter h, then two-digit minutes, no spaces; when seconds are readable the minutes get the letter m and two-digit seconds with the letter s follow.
1h24
